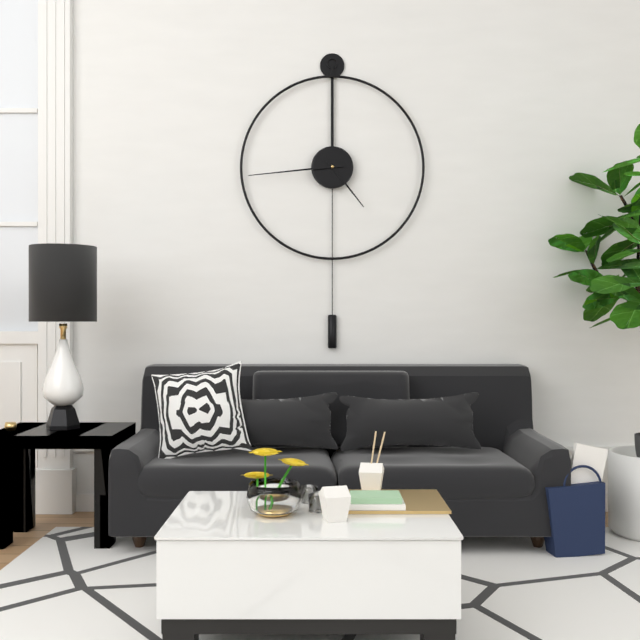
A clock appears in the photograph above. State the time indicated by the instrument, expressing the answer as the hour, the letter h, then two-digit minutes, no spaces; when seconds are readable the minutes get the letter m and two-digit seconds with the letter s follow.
4h44
